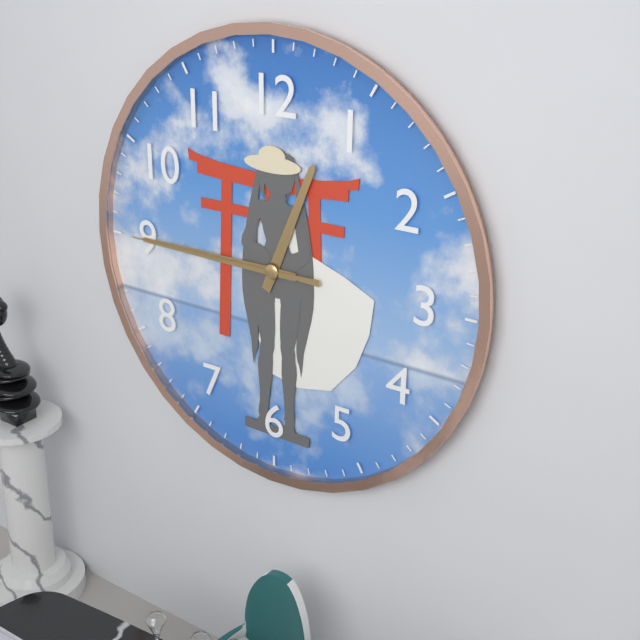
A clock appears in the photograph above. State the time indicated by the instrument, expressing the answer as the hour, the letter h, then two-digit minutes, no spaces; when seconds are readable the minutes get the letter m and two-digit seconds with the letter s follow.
12h45m45s
